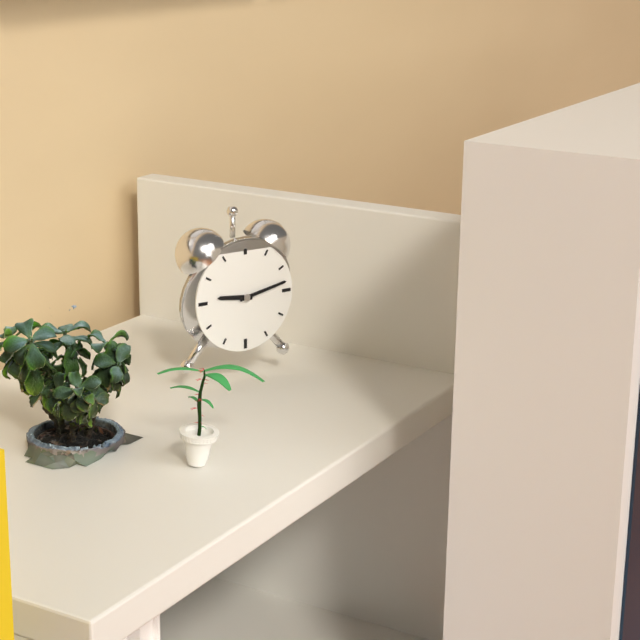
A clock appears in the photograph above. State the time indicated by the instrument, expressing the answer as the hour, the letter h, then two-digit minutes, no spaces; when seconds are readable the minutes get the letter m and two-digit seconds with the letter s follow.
9h13
